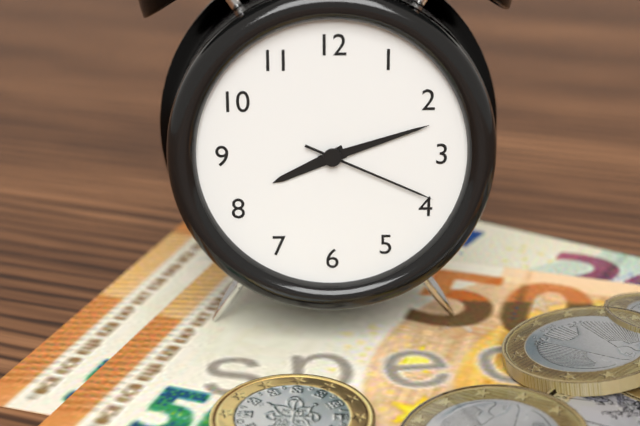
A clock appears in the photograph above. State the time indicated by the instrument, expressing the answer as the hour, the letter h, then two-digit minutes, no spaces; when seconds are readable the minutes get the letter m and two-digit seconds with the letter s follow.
8h12m19s
